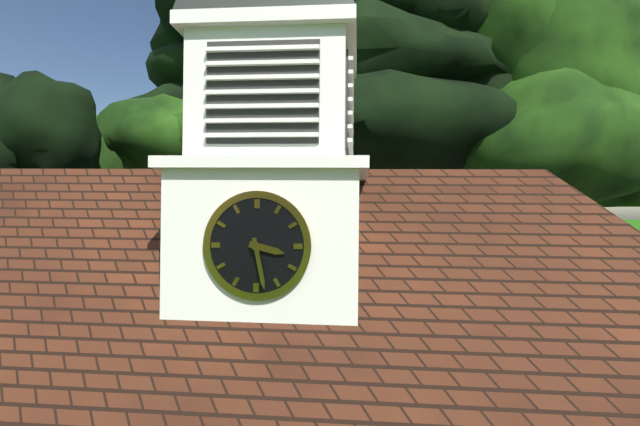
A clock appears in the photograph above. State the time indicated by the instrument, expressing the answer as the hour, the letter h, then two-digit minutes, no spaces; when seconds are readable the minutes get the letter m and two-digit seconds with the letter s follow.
3h28
